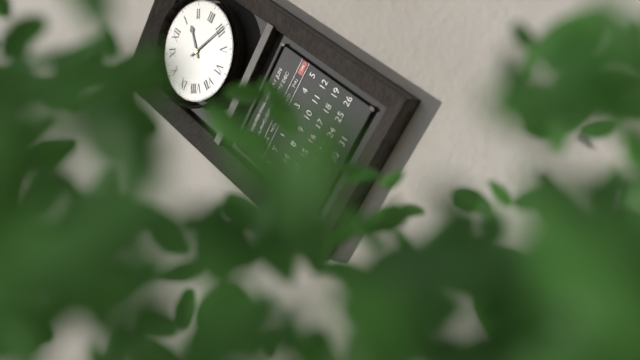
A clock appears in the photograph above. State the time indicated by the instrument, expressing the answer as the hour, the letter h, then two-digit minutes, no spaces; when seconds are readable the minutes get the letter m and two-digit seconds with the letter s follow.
1h20
